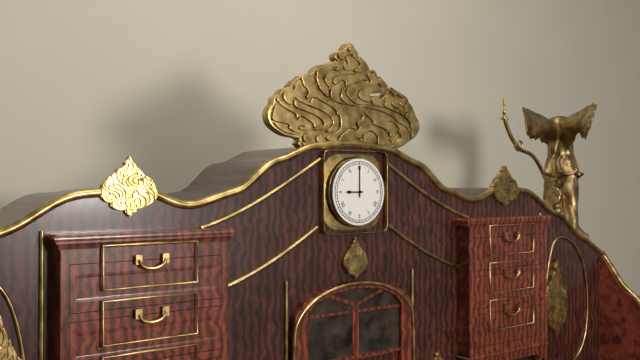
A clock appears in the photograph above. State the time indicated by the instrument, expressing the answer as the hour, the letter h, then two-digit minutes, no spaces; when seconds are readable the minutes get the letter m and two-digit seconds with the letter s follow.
9h00
